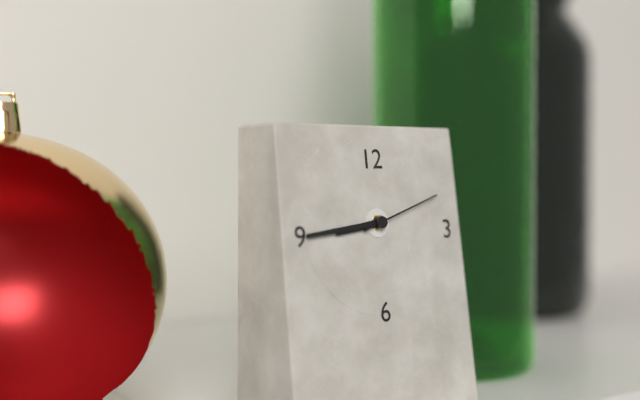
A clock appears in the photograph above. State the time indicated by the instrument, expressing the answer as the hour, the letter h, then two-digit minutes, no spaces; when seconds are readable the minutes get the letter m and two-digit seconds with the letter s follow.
8h44m12s
